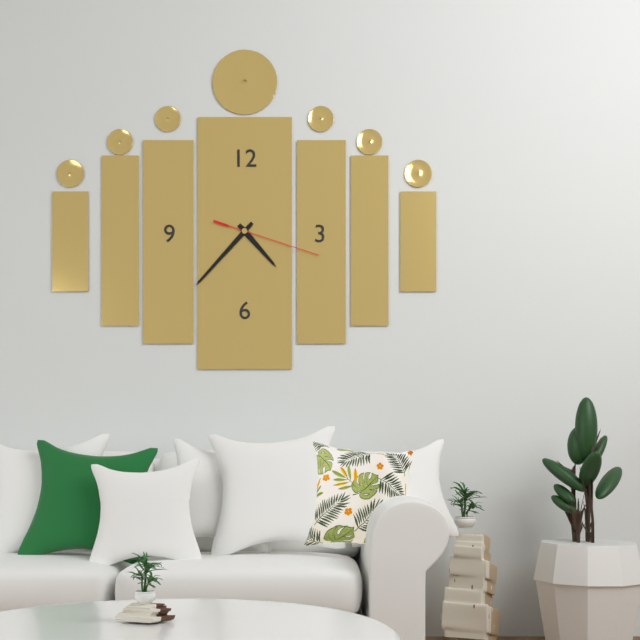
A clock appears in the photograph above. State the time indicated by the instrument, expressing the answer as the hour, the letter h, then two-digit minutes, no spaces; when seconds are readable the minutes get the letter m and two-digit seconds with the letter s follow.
4h37m18s
